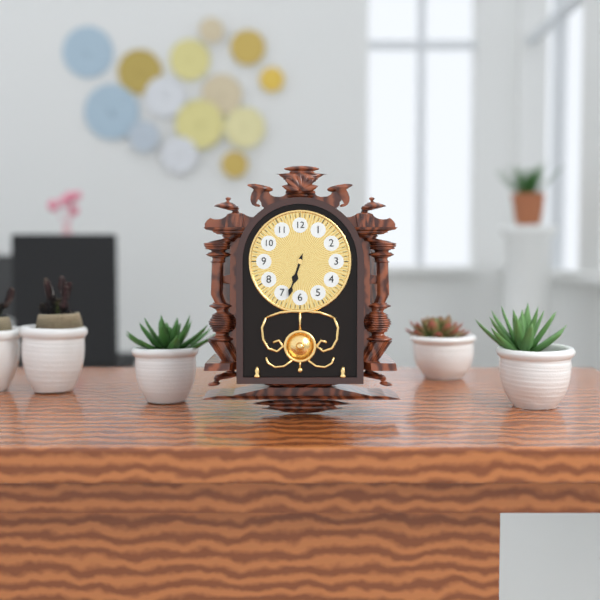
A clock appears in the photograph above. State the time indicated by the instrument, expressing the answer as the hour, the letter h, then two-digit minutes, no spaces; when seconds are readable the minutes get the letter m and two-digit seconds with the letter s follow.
6h33
